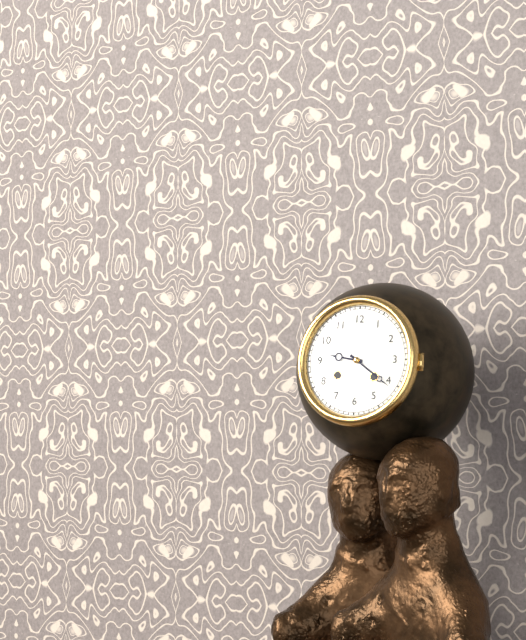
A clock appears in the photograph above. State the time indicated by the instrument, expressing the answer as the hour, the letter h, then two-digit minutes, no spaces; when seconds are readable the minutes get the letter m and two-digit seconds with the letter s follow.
9h21
